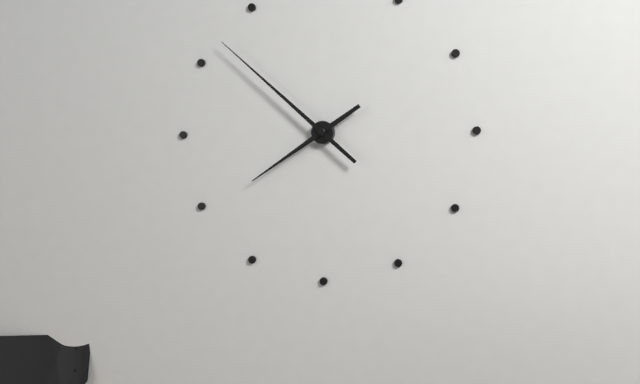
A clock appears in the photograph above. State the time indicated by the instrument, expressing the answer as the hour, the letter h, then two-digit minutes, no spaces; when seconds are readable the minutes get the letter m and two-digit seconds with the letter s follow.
7h52
